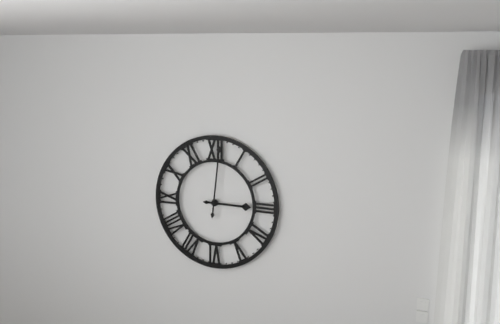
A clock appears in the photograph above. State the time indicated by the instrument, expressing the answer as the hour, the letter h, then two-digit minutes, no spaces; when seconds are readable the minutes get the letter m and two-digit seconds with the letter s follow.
3h01
